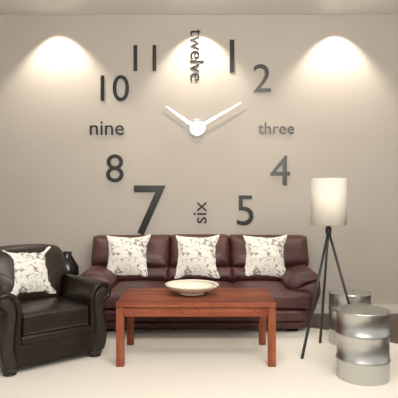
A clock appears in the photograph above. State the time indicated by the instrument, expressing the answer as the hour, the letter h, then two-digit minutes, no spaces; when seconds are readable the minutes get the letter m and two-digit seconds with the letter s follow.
10h10
